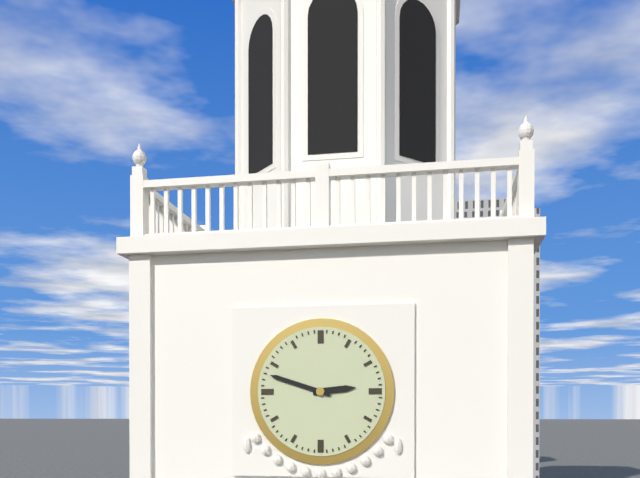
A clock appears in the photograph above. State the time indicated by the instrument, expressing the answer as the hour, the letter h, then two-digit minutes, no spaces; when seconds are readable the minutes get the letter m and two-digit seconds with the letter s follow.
2h48
